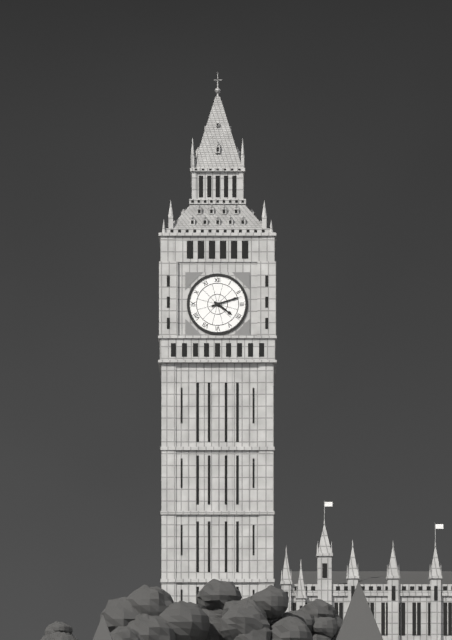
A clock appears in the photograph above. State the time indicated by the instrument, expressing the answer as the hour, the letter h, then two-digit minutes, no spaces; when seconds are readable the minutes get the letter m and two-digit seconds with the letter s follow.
4h12
